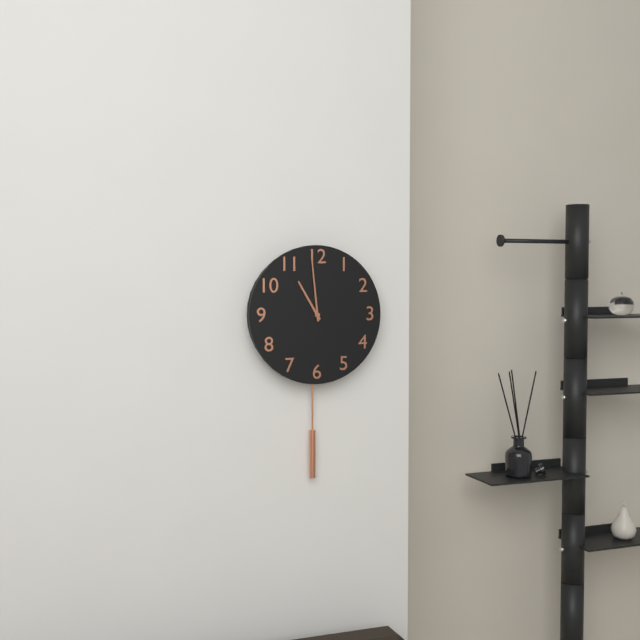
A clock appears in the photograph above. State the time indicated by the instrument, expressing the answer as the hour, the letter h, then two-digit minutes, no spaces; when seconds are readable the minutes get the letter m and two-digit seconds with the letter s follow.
10h59
